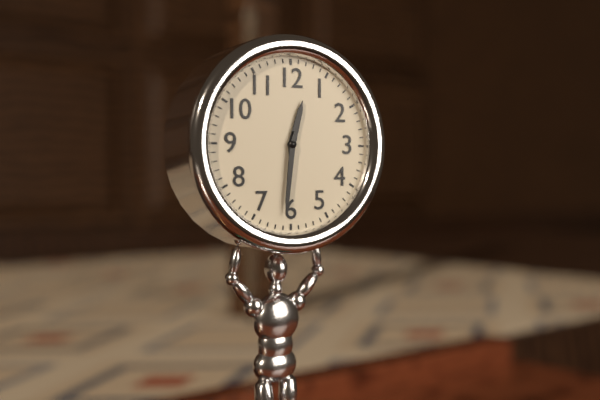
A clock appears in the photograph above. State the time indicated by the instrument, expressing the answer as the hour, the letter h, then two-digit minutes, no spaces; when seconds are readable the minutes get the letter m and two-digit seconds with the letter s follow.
12h31
